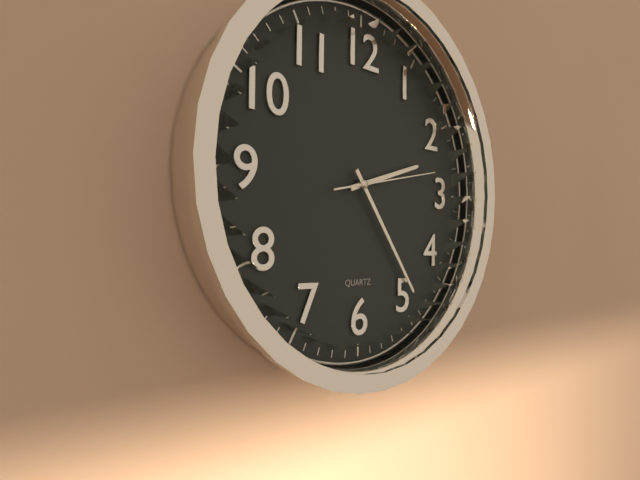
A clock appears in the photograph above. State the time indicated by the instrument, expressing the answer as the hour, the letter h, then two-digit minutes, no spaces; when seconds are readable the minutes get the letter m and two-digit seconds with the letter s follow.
2h24m13s
